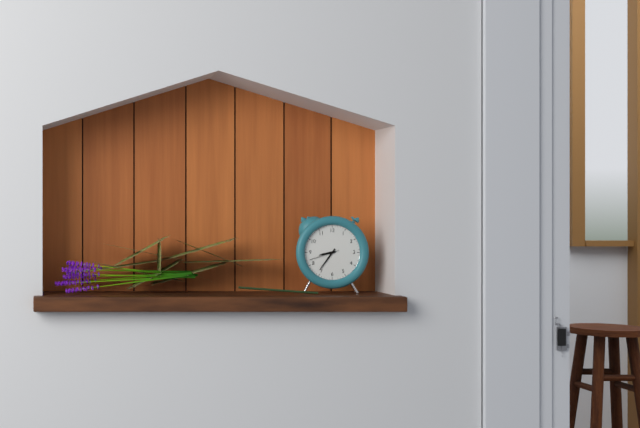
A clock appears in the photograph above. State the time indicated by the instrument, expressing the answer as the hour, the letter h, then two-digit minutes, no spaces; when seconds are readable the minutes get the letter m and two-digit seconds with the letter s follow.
8h36
